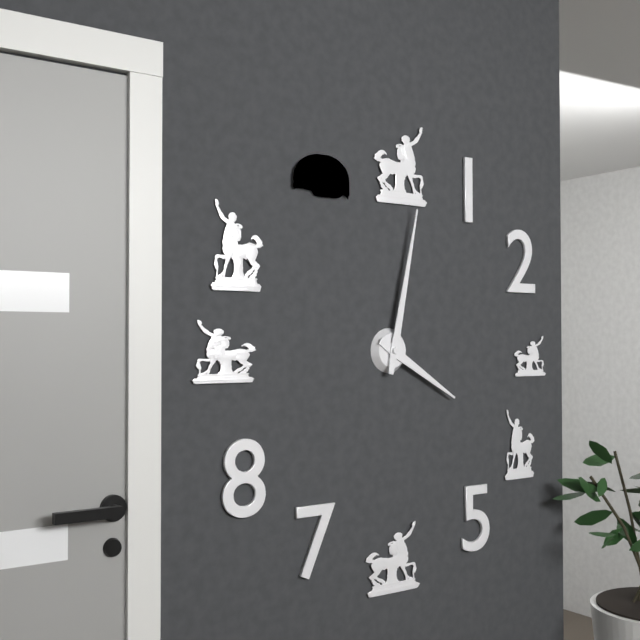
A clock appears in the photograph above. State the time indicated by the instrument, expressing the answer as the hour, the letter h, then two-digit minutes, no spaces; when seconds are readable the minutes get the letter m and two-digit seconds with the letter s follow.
4h02
